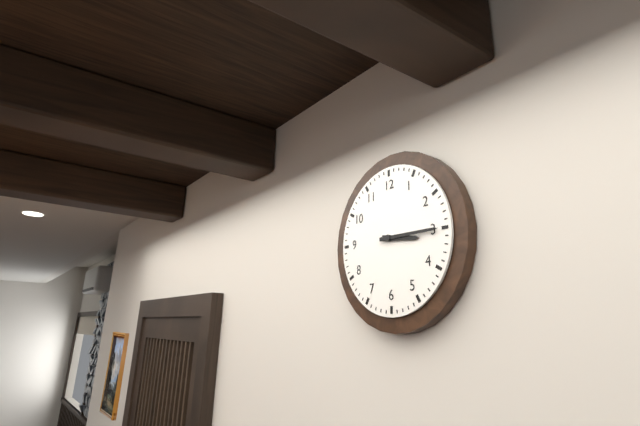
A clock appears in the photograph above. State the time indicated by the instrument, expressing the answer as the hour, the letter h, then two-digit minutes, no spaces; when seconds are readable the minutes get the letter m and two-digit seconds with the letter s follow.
3h15
